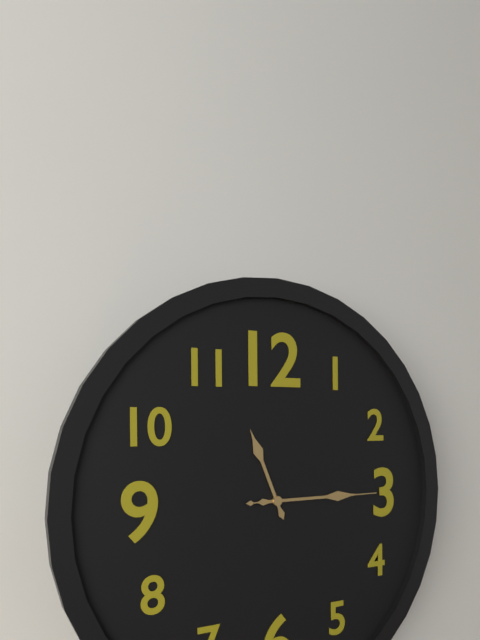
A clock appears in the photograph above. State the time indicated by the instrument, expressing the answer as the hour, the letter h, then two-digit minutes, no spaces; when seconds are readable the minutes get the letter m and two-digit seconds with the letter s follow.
11h15m15s
